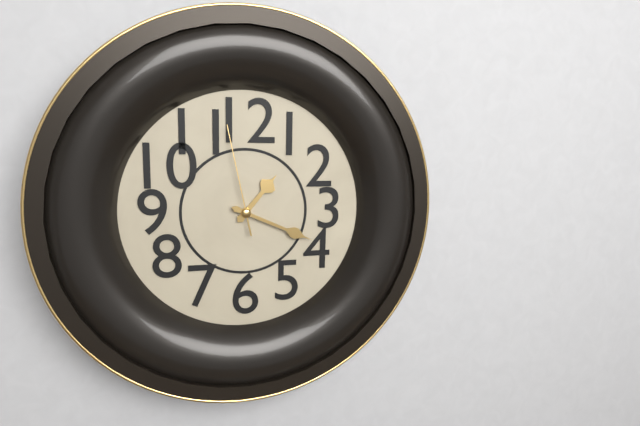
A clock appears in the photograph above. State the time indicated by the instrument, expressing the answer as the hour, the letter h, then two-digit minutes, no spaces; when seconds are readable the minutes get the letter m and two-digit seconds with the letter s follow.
1h19m58s
